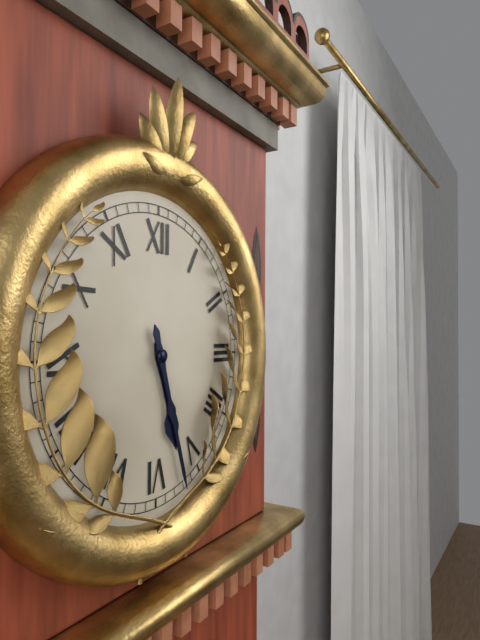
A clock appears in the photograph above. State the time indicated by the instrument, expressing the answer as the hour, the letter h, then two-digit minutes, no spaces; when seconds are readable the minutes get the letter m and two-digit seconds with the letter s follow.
5h27
